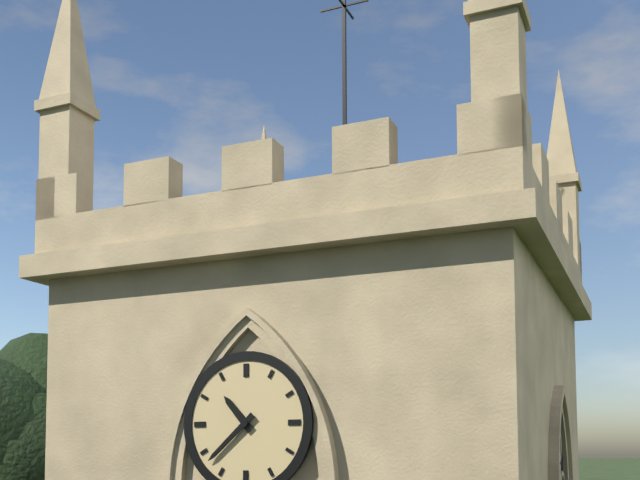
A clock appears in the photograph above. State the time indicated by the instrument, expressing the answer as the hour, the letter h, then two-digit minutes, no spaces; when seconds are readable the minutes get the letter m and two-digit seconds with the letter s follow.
10h38
